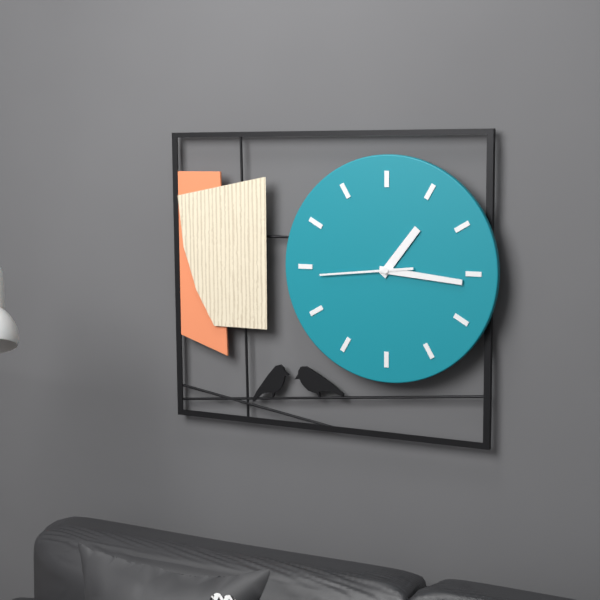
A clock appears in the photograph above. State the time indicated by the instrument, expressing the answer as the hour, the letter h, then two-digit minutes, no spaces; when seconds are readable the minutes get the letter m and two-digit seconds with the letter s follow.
1h16m44s
